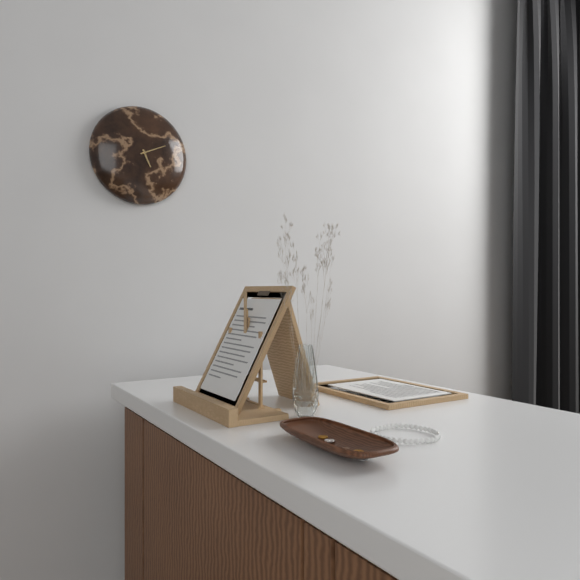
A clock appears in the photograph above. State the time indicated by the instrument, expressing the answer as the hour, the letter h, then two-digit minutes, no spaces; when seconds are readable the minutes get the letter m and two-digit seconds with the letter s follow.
5h11
